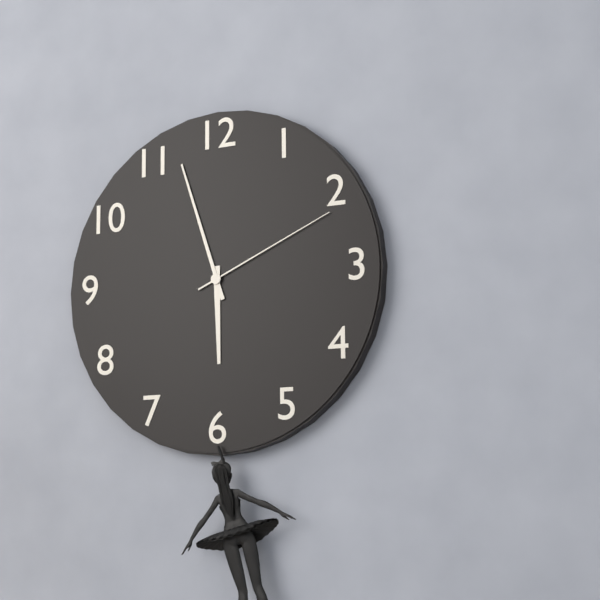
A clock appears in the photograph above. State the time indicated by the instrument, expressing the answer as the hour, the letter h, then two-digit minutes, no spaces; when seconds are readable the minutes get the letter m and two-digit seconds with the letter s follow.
5h57m11s
